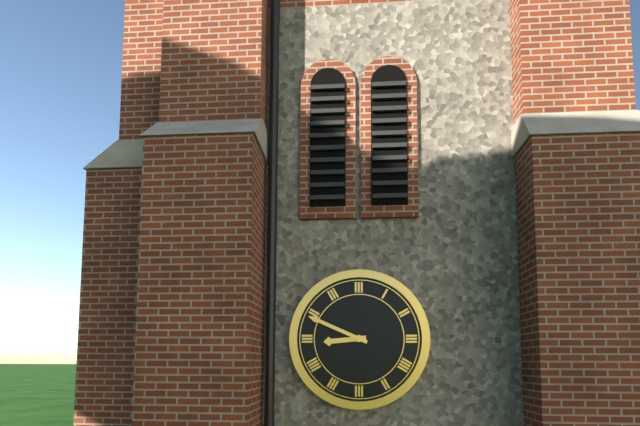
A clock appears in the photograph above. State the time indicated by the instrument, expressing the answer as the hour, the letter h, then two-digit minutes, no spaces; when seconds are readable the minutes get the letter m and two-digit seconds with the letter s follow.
8h49
